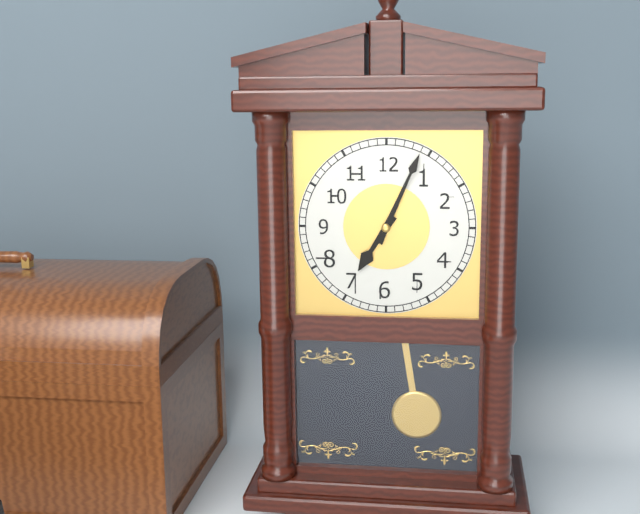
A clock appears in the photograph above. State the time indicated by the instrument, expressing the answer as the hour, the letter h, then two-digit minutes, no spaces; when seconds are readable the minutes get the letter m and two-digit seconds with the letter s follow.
7h04
